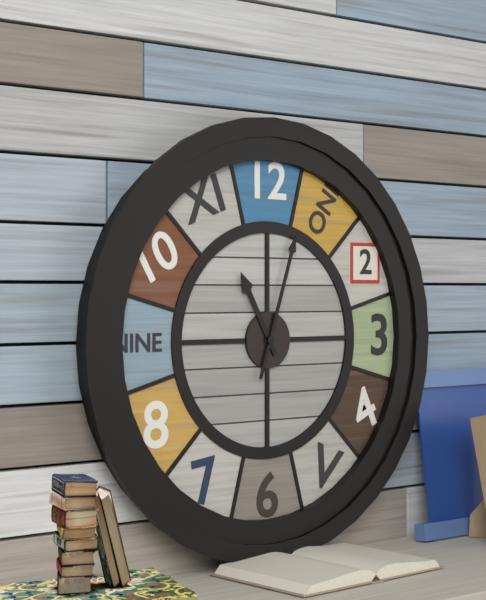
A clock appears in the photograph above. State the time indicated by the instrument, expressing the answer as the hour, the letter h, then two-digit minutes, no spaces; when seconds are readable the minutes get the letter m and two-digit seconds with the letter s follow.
11h03
